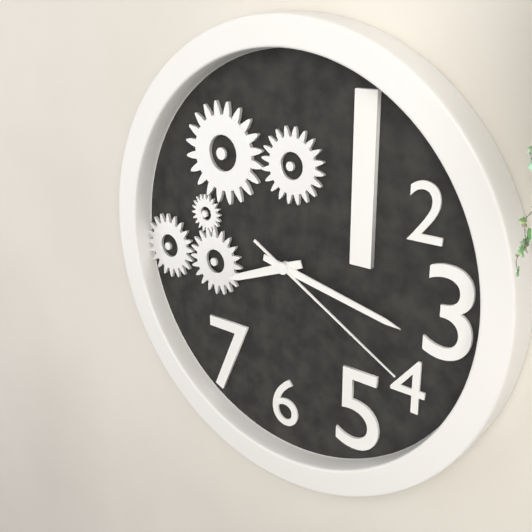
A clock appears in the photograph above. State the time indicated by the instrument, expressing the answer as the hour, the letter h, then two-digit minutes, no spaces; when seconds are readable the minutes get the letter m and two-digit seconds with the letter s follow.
8h17m20s
